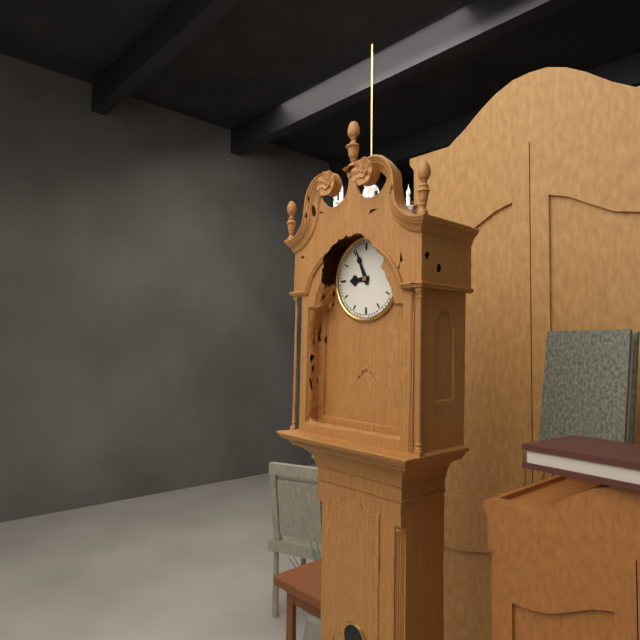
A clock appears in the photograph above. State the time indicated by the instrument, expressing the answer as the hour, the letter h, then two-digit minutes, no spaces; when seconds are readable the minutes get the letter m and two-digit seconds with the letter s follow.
8h56
